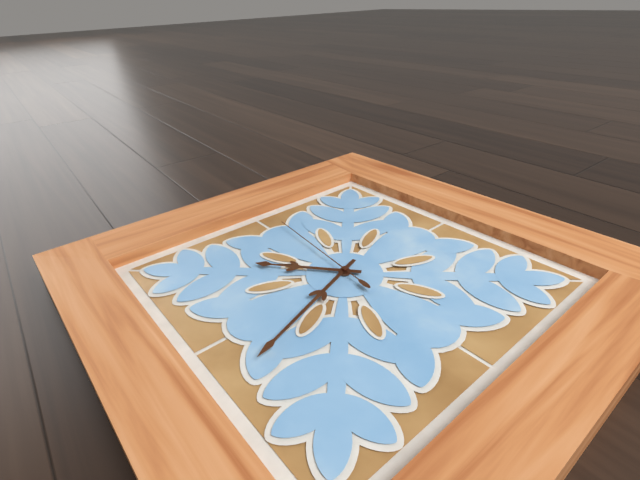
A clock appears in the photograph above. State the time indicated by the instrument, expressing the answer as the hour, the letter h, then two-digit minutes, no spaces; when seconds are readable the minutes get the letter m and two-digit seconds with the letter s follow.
10h42m01s
